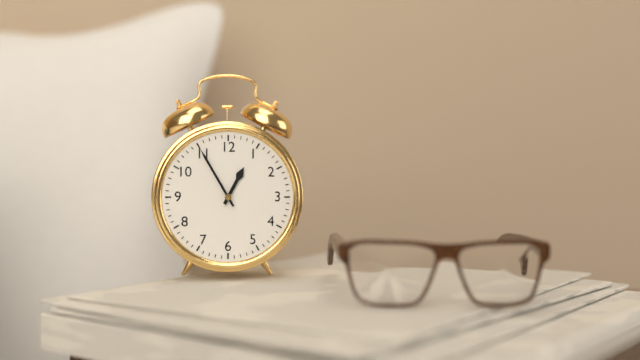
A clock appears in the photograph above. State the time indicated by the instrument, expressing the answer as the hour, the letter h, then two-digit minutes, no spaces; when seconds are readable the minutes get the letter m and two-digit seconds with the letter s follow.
12h55
